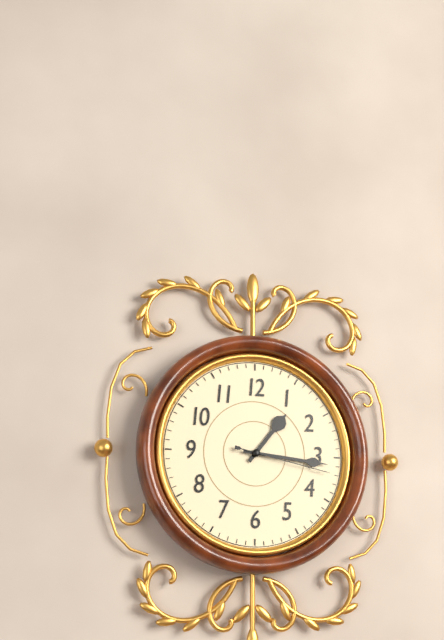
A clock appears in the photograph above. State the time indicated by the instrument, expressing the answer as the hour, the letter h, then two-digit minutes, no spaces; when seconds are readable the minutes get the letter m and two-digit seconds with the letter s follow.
1h16m17s
